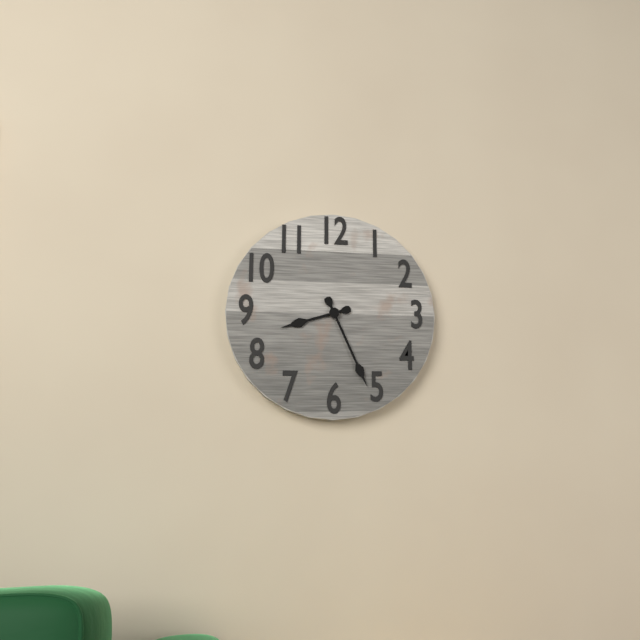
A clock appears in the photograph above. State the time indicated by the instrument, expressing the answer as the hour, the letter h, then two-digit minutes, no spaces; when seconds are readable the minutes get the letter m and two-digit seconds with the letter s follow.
8h26
